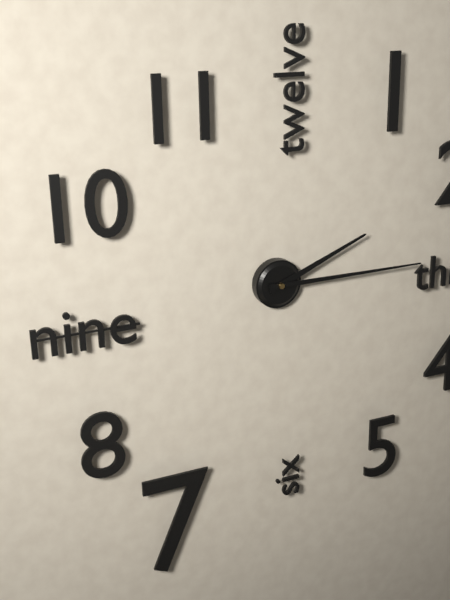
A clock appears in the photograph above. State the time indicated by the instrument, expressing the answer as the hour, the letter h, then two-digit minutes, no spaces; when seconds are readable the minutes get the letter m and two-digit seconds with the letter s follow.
2h15
